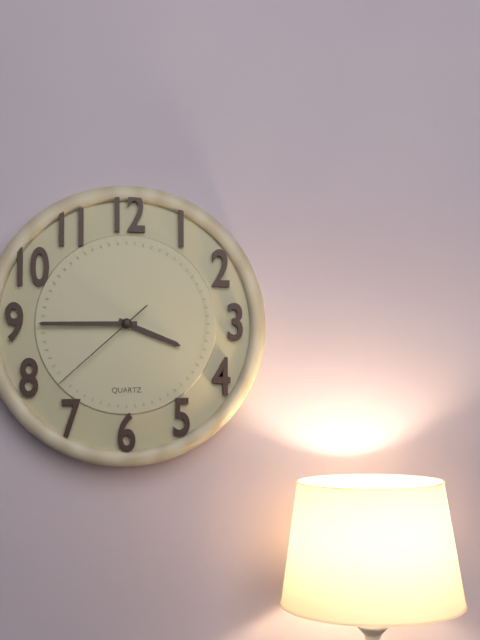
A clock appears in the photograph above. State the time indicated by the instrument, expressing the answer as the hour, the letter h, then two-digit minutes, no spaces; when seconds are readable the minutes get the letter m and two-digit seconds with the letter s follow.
3h45m38s
